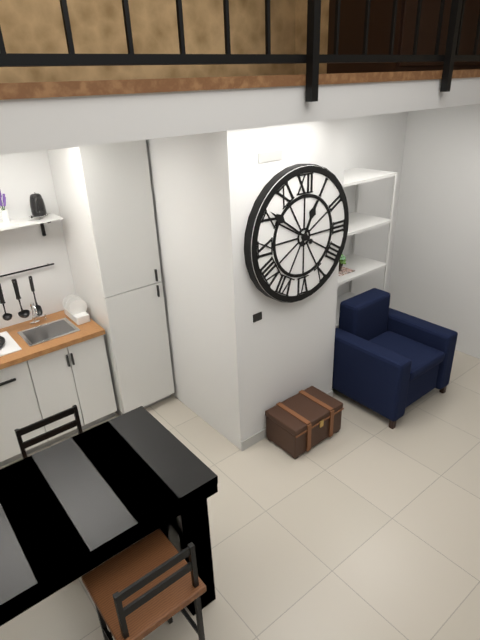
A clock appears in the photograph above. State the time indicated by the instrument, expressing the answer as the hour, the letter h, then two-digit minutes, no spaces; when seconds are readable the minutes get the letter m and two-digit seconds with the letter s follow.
12h51
